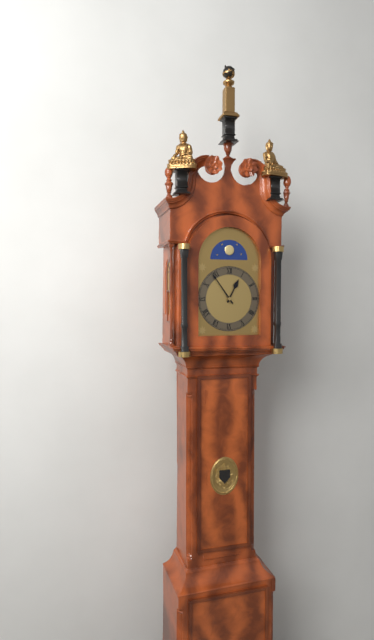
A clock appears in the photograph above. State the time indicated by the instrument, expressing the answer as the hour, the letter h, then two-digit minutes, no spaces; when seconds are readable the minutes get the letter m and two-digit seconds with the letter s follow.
12h54
